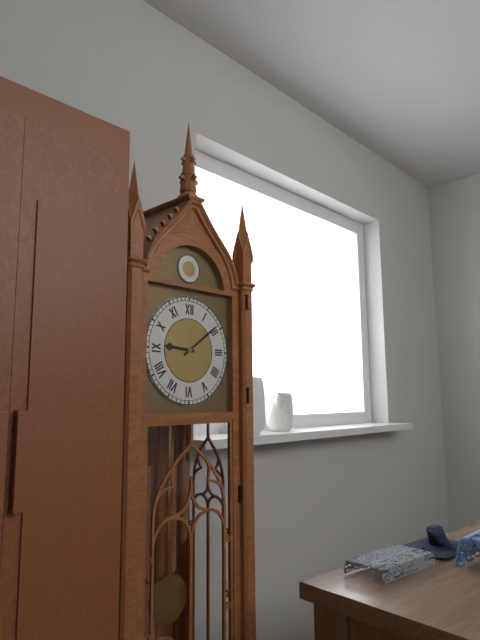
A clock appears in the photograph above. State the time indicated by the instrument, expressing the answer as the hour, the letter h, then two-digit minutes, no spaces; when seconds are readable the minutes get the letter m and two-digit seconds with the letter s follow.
9h09
